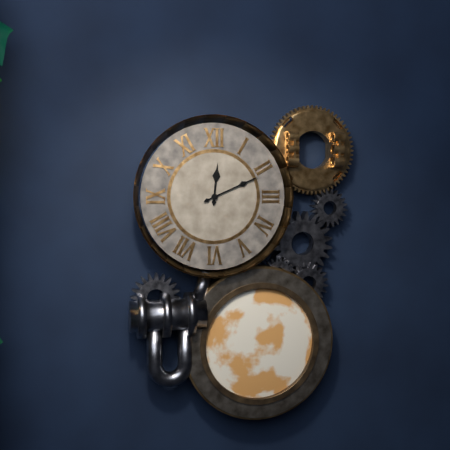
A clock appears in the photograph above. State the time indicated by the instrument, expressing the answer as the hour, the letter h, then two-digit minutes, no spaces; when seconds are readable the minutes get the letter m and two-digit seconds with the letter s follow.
12h11
